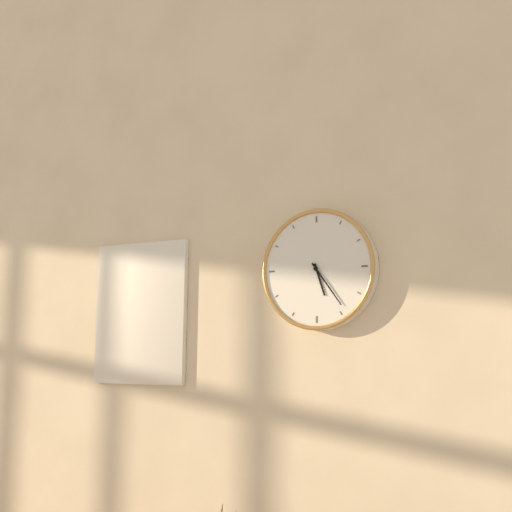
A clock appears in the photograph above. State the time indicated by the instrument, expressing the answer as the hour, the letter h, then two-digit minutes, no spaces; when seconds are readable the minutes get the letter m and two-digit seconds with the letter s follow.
5h24
